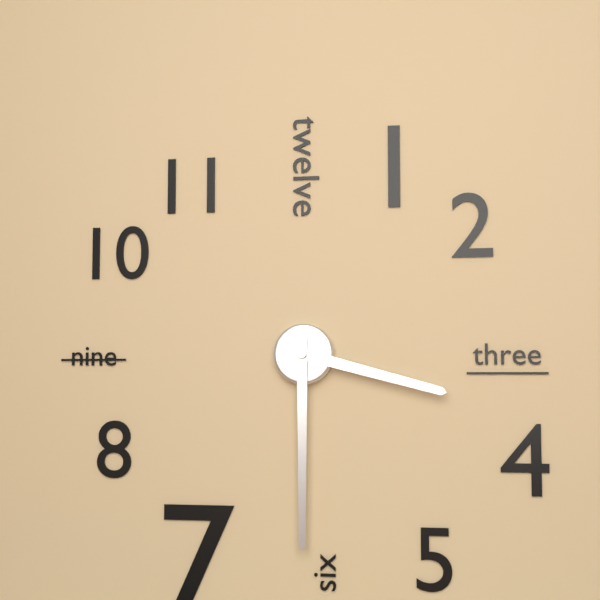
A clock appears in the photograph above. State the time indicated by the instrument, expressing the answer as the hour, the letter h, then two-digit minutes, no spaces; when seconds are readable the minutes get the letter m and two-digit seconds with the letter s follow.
3h30
